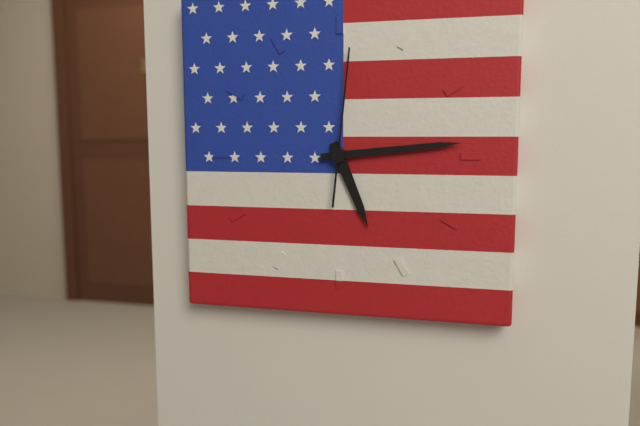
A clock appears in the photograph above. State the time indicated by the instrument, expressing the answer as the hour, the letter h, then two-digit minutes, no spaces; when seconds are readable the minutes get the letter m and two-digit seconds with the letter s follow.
5h14m01s
